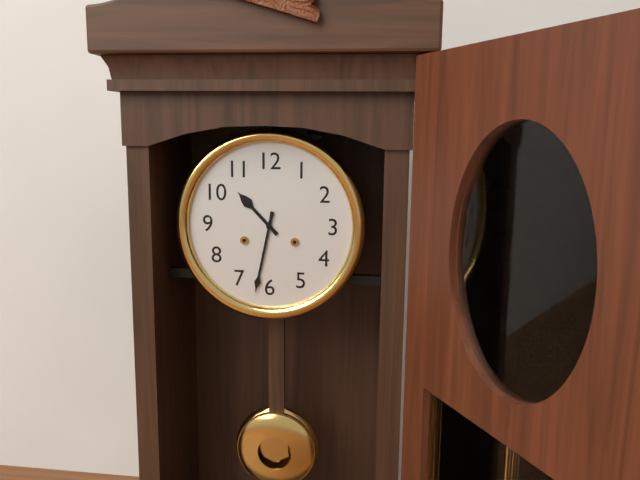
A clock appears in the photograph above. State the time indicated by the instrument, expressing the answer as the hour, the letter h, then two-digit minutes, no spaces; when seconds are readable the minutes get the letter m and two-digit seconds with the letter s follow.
10h32
